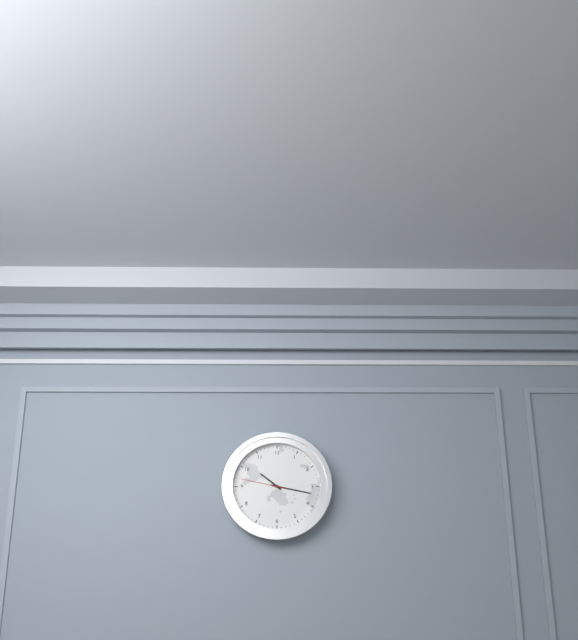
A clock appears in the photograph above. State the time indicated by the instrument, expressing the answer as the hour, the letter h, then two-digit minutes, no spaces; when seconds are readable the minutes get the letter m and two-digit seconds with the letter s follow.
10h17
